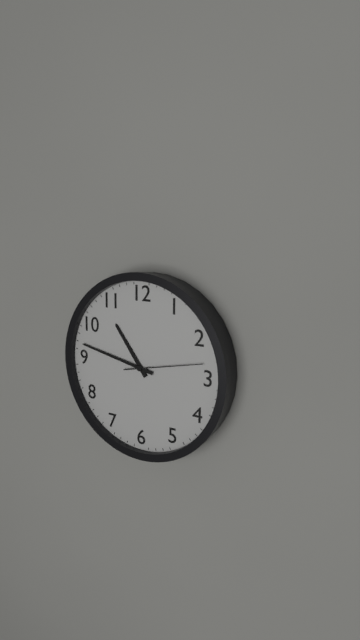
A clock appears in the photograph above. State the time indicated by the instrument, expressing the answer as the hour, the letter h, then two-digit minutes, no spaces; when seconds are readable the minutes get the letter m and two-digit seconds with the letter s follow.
10h47m13s
